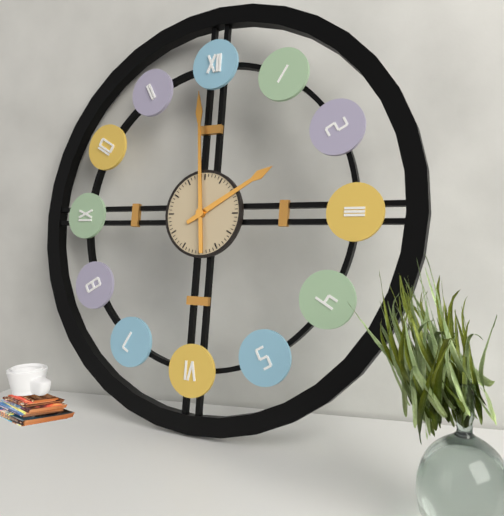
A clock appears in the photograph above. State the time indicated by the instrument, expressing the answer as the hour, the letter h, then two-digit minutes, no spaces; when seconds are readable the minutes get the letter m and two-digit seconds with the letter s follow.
1h59
